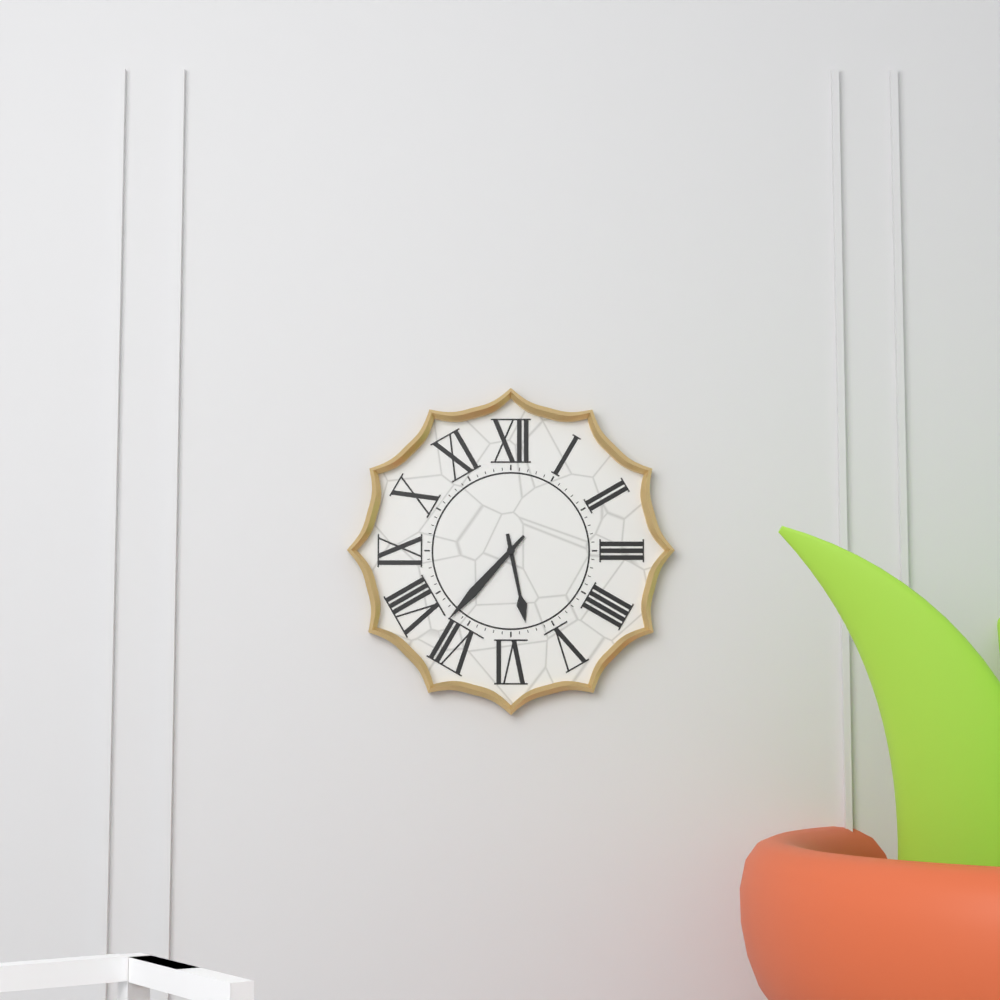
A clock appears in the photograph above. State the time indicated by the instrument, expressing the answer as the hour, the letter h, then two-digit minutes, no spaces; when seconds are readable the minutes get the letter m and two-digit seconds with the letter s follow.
5h37
